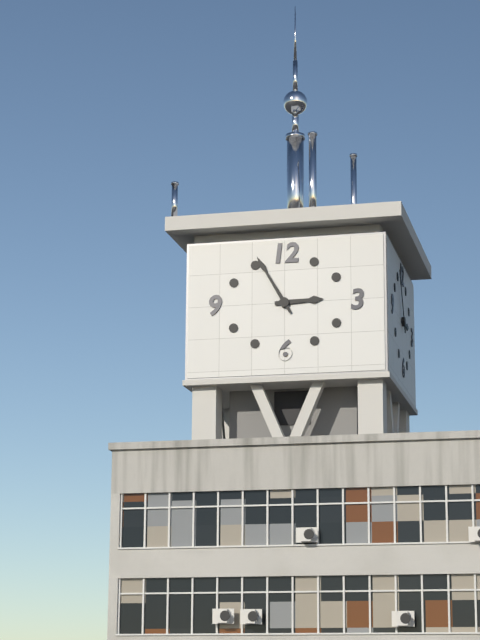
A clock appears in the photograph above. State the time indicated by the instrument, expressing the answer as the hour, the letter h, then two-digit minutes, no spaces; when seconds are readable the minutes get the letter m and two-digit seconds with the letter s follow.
2h55
